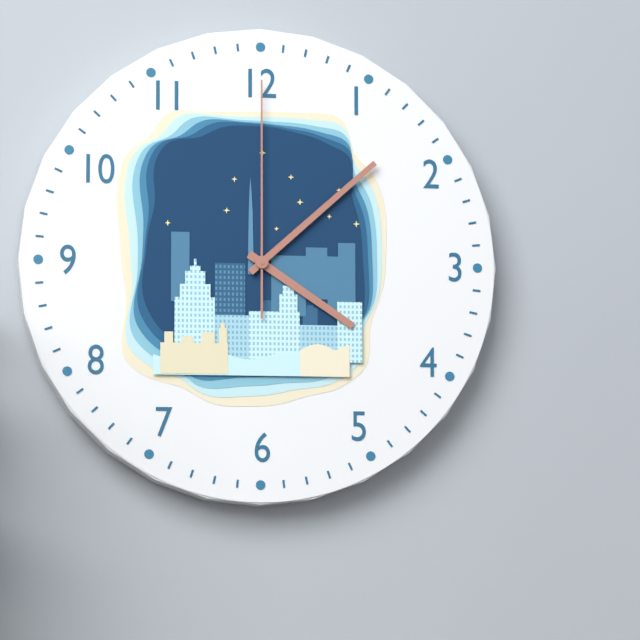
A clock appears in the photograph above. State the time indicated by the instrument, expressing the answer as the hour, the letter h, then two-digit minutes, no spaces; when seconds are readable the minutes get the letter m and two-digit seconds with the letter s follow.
4h08m00s
